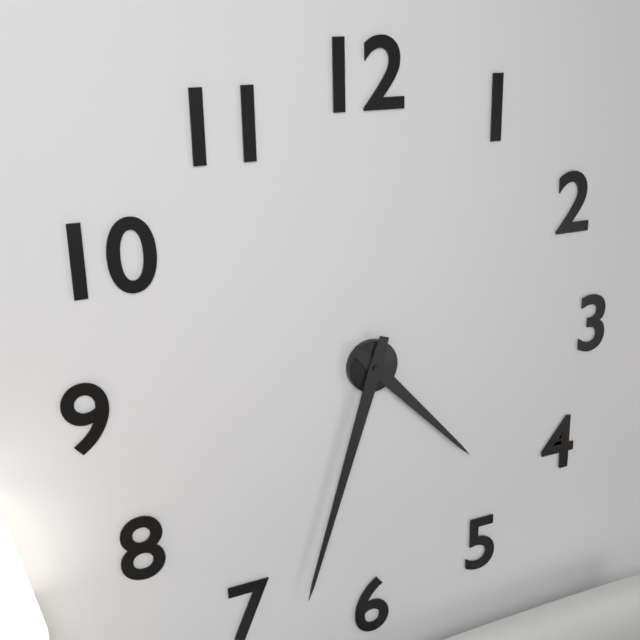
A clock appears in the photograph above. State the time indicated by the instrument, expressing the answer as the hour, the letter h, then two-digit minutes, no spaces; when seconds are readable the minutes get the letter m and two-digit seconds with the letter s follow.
4h33
